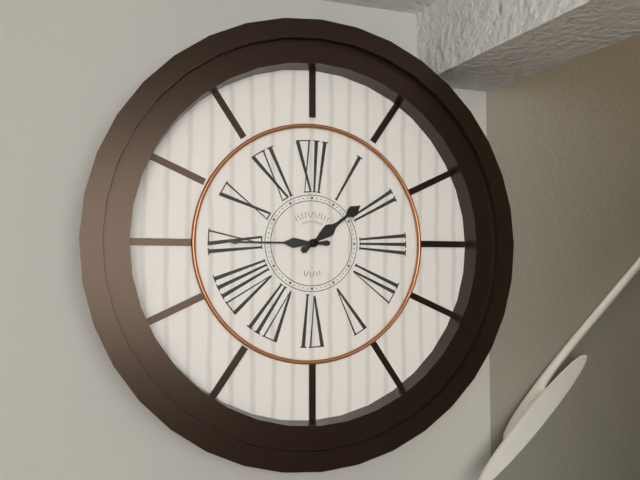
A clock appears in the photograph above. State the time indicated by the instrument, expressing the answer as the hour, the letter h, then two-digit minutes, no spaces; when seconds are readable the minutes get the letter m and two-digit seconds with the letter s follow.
1h45
